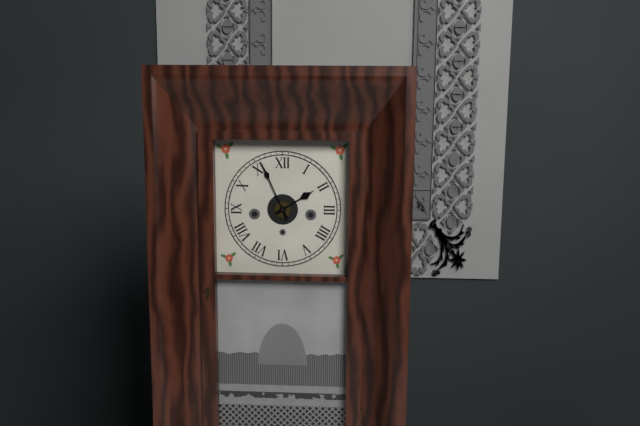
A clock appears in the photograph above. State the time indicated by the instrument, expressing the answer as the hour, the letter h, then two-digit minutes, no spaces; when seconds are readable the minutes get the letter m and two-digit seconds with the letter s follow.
1h56
